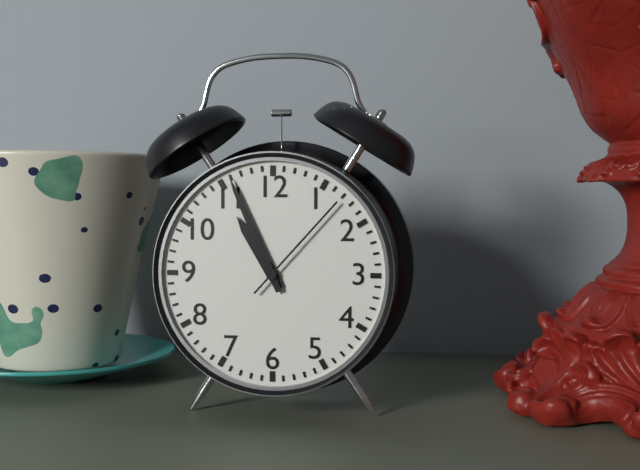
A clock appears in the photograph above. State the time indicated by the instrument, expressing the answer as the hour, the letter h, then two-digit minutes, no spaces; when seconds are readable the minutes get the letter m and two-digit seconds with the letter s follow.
10h56m07s
